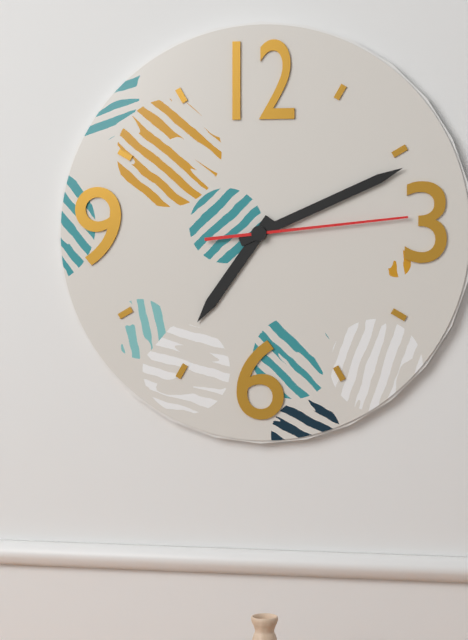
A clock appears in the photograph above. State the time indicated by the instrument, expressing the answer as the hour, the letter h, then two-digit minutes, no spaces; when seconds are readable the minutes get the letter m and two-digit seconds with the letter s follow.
7h11m14s
